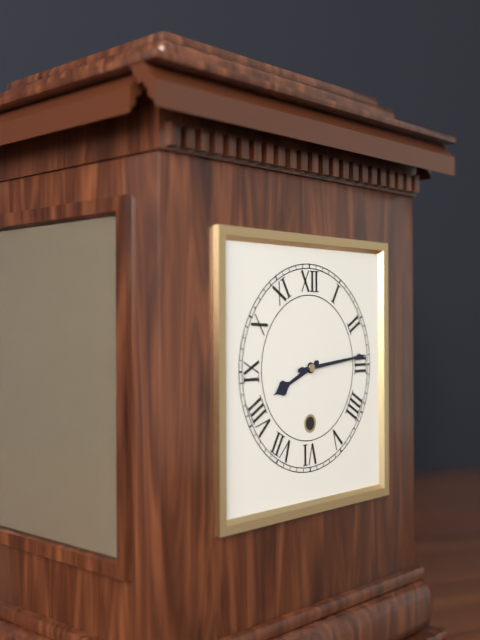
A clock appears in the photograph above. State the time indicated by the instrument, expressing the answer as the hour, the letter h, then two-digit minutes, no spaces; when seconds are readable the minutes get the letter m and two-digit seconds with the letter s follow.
8h14
